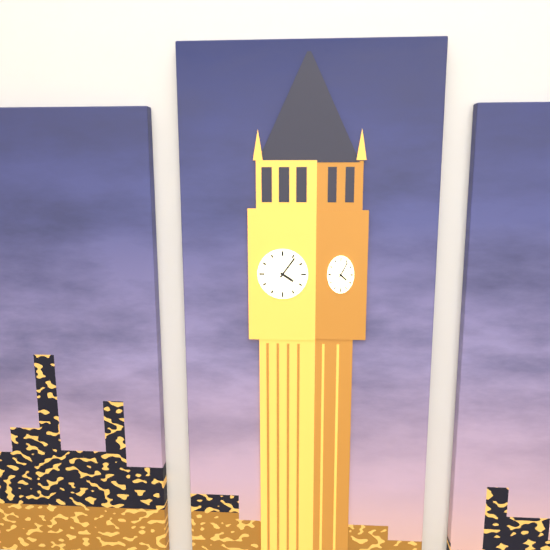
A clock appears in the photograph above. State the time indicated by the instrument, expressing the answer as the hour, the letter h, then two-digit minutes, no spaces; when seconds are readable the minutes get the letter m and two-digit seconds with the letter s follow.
4h06
